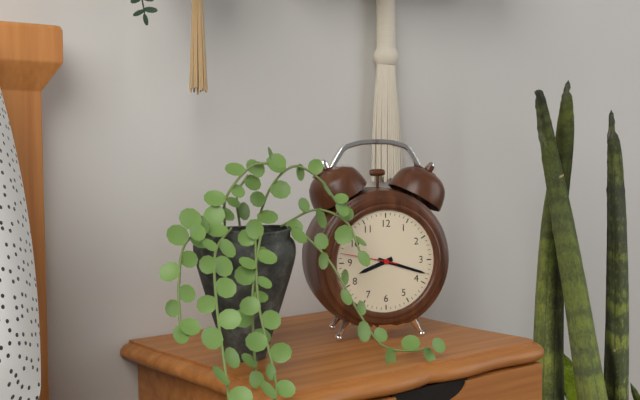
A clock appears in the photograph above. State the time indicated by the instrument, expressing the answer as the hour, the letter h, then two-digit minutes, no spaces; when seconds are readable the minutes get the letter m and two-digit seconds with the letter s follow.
8h18m47s
